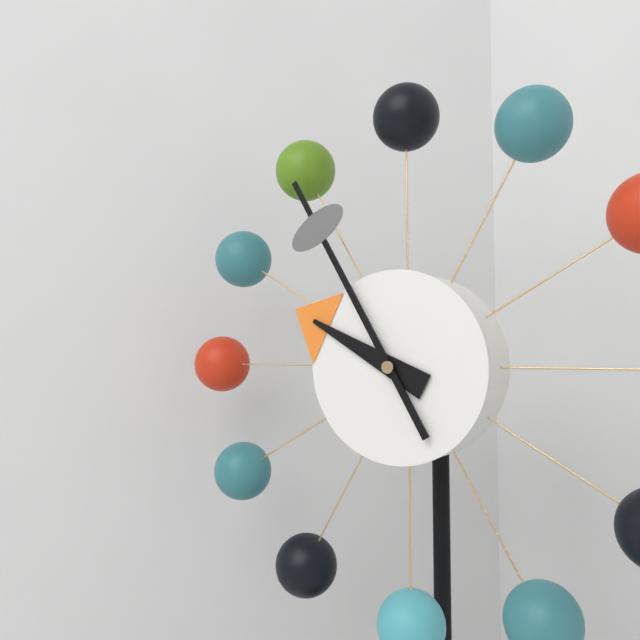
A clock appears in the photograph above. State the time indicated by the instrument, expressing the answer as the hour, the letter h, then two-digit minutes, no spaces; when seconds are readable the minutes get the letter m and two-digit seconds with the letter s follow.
9h55
